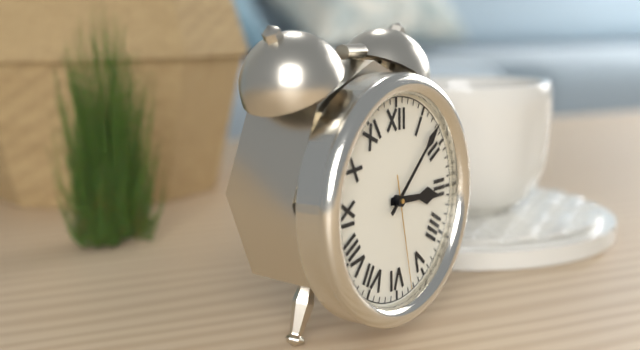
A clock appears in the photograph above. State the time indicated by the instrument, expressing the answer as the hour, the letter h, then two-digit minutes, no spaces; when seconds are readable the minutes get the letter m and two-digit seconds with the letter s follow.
3h08m28s
